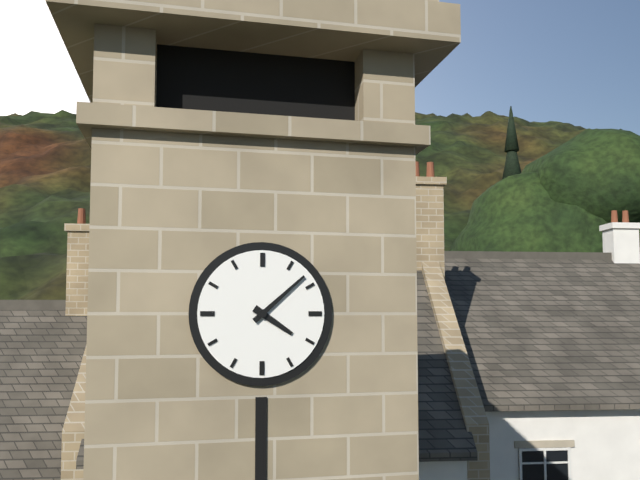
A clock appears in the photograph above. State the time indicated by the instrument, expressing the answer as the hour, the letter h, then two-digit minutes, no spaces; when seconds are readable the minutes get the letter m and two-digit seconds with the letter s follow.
4h08
